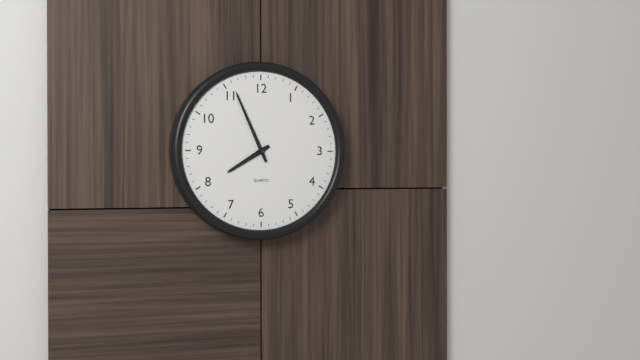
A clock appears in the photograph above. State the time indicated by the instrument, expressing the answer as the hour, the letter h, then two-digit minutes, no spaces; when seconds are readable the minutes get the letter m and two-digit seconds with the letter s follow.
7h56
